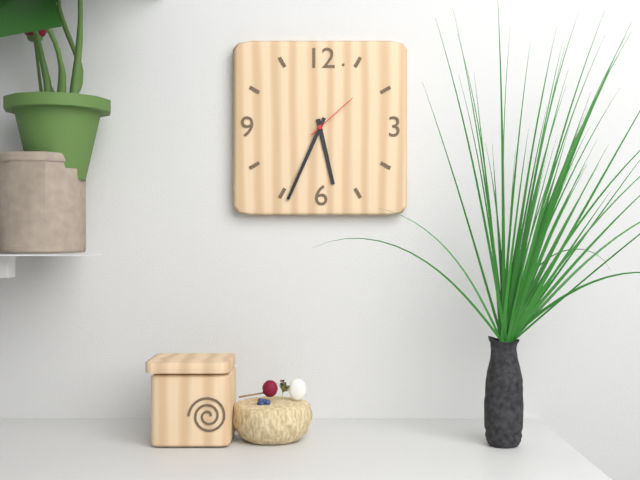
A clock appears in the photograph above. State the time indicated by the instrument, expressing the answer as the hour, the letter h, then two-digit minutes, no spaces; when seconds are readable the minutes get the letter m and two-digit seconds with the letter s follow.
5h34m08s
